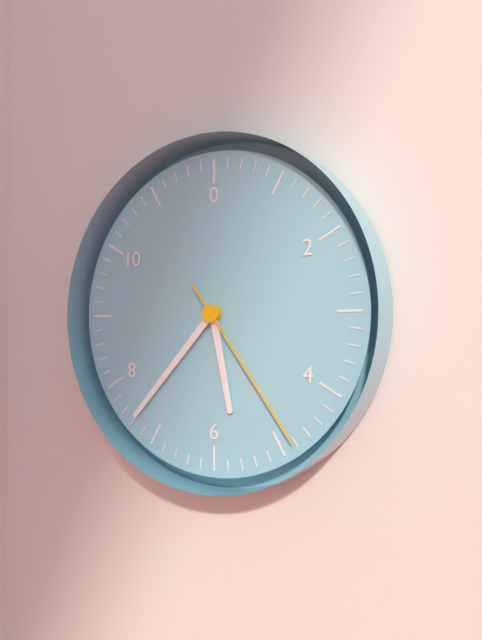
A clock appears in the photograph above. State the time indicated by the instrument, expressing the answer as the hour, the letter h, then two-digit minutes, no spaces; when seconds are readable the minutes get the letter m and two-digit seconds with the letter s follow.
5h37m24s
